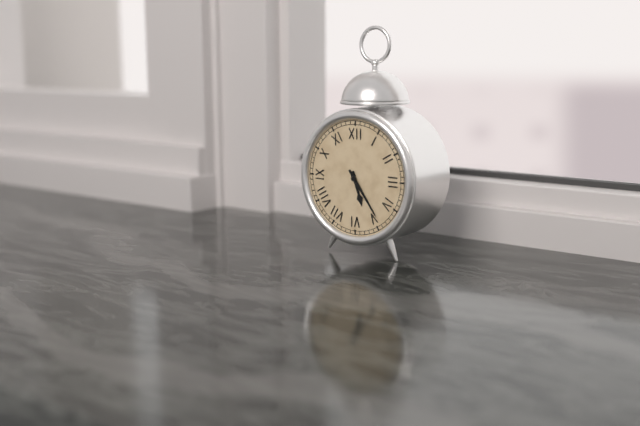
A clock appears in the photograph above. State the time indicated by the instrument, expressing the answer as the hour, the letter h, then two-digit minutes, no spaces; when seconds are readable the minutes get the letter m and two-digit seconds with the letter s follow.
5h24
